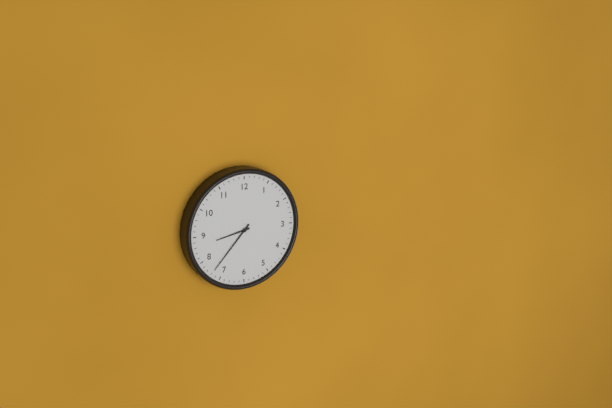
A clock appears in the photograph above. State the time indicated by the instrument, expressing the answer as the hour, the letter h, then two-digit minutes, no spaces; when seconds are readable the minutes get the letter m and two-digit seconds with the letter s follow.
8h37
